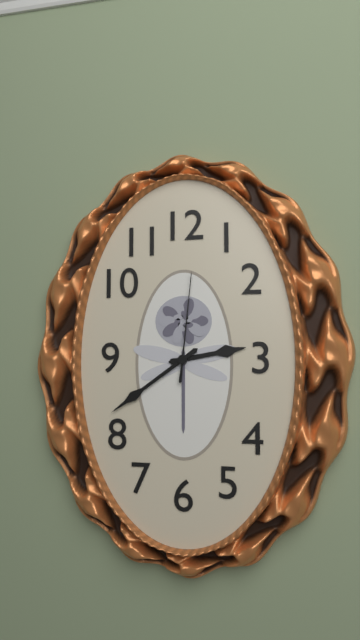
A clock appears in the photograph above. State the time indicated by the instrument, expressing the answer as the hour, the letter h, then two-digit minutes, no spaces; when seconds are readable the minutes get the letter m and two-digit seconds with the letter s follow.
2h39m01s
